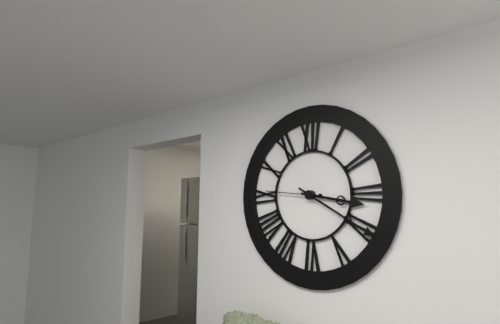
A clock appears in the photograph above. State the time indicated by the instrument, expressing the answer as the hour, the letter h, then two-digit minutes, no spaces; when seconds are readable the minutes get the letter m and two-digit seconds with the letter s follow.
3h20m46s
